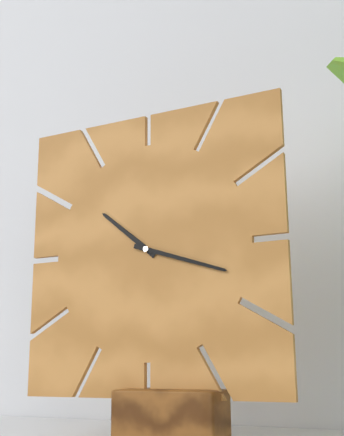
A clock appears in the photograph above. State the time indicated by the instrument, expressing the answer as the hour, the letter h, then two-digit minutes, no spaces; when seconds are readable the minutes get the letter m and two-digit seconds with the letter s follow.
10h18
